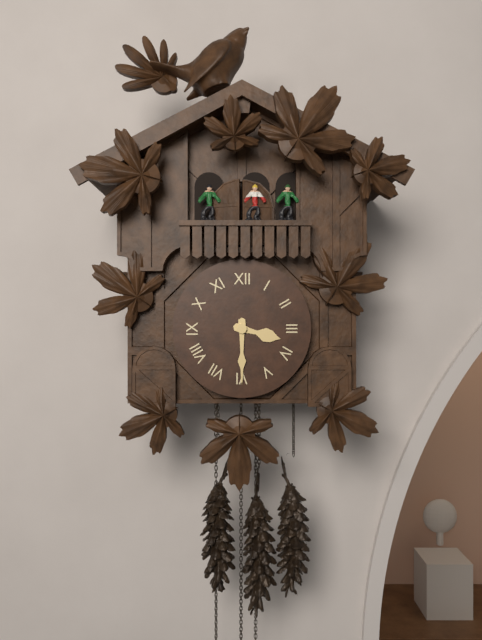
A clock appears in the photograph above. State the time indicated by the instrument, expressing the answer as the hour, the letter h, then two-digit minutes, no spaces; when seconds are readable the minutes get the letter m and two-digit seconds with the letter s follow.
3h30
